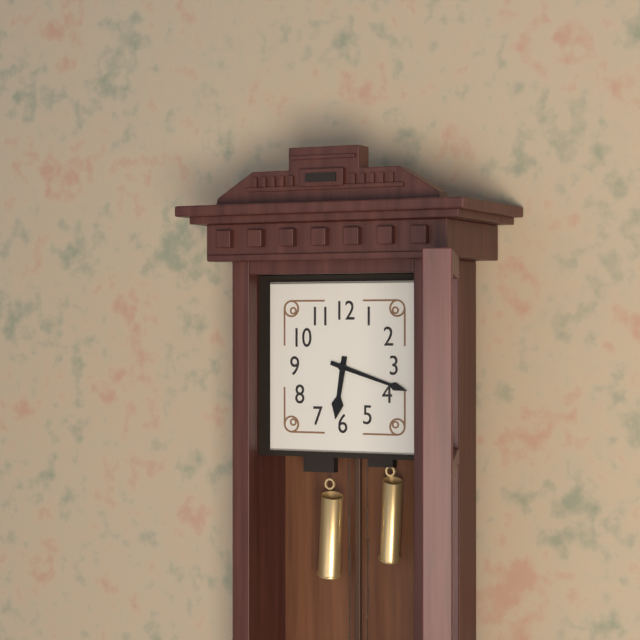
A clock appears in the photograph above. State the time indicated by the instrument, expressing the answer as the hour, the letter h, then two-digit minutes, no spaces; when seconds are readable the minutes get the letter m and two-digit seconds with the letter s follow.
6h18
